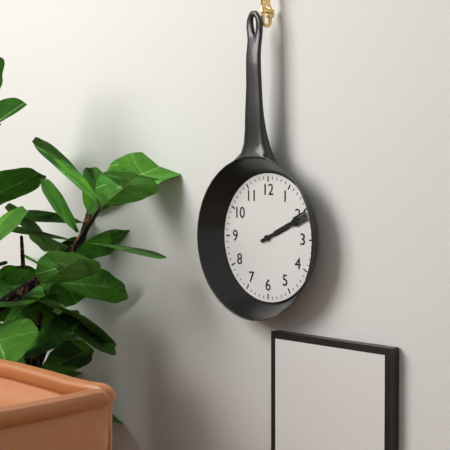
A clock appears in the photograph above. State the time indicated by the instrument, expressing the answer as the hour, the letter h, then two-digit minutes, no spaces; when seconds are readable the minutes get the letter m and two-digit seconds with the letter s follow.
2h11
